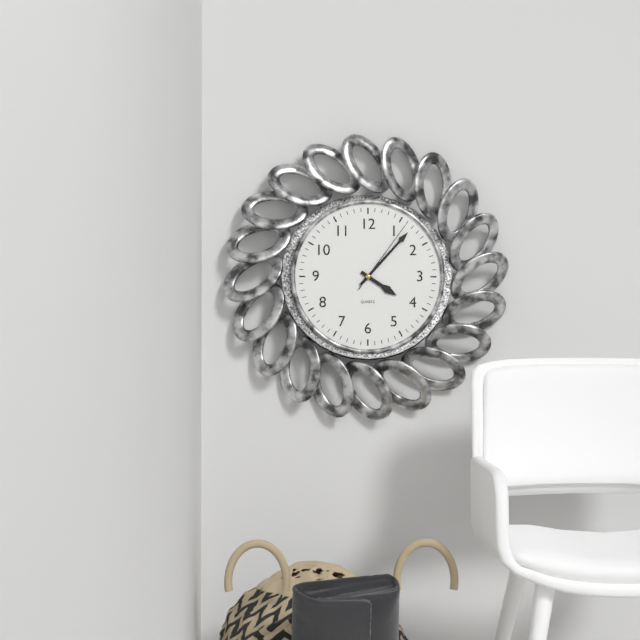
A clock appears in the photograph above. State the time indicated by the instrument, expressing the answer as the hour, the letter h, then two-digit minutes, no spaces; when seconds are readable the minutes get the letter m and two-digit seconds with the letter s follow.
4h07m06s
